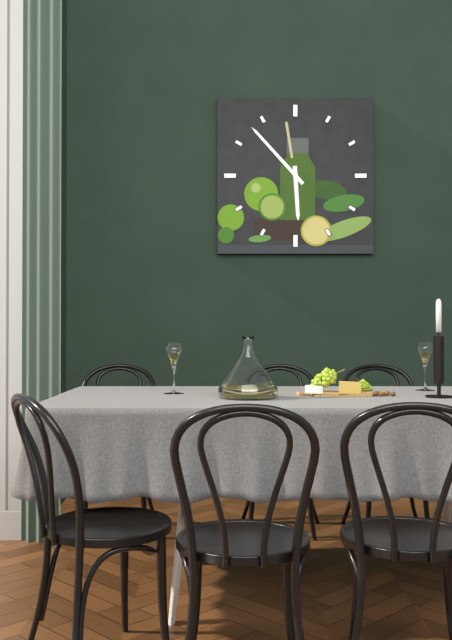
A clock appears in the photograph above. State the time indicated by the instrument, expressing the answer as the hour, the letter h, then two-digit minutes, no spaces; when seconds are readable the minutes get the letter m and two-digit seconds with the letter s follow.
5h53
